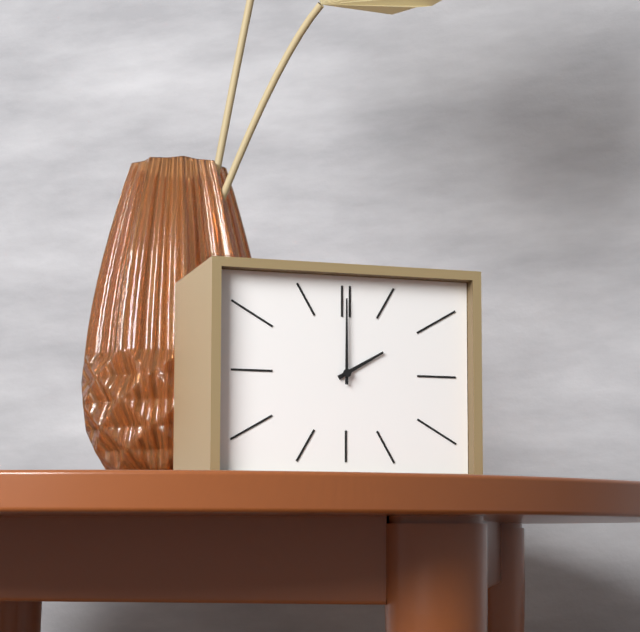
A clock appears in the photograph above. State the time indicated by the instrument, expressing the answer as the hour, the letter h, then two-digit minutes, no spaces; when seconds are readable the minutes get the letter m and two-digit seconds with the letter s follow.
2h00
